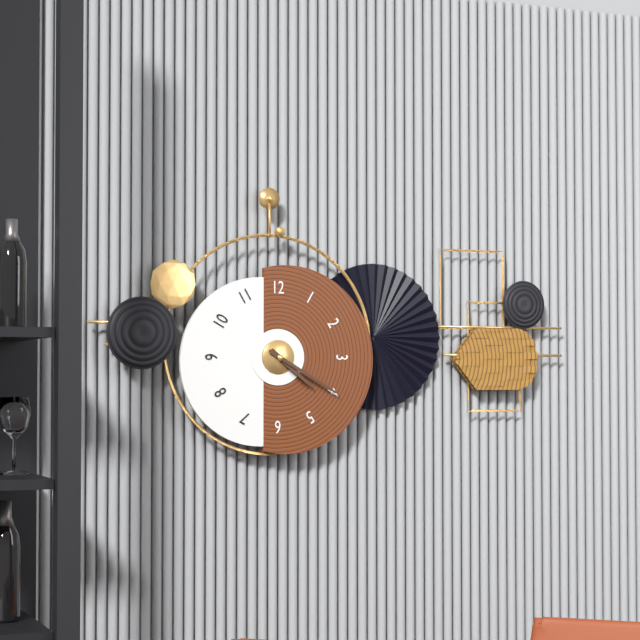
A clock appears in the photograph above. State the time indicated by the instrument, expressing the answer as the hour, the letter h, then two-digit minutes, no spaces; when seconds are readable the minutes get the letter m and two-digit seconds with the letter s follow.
4h20
